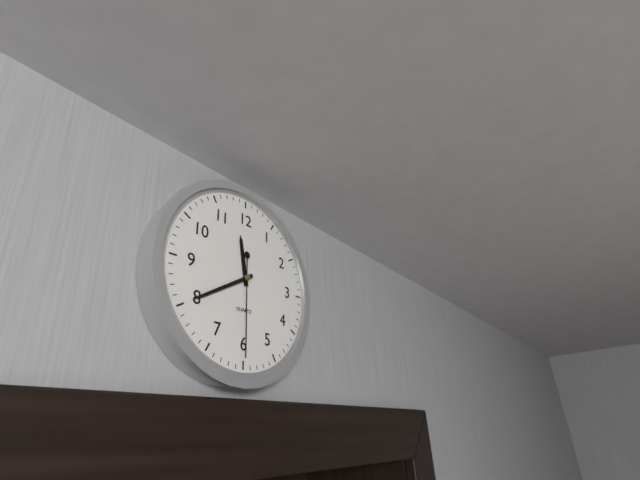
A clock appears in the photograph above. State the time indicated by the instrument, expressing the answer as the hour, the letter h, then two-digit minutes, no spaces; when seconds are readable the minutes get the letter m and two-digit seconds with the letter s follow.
11h40m30s
